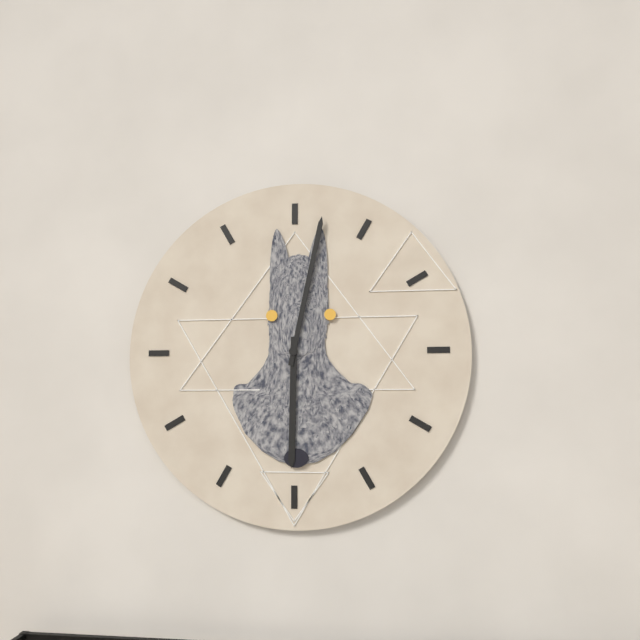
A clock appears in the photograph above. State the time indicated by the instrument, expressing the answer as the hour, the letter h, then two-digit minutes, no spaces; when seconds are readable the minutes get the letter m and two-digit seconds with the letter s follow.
6h02
